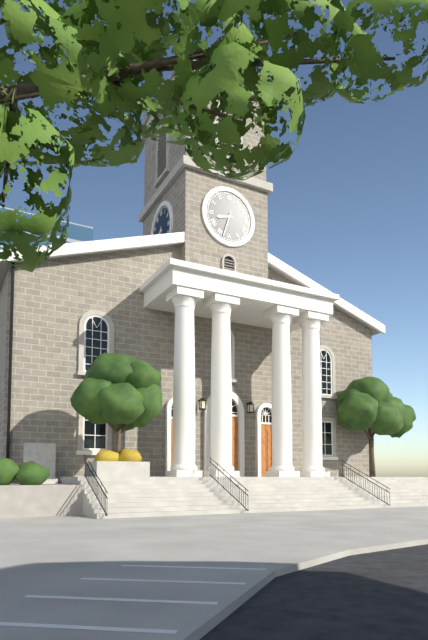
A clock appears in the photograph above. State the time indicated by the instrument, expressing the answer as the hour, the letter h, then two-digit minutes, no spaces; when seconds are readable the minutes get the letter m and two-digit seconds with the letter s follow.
8h33
